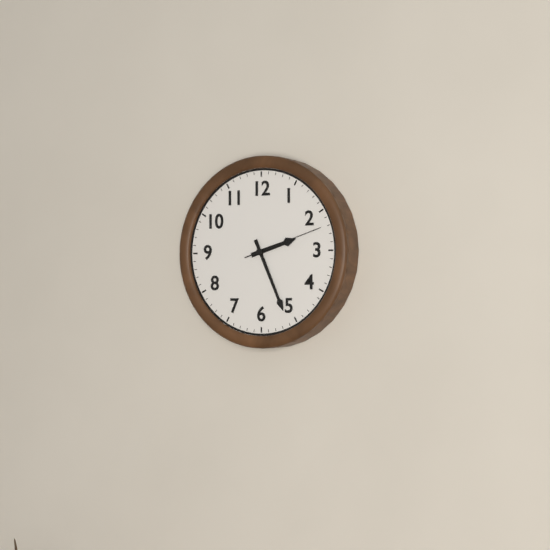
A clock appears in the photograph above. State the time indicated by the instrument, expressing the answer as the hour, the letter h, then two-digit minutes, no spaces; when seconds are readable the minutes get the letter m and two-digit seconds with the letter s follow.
2h26m12s
